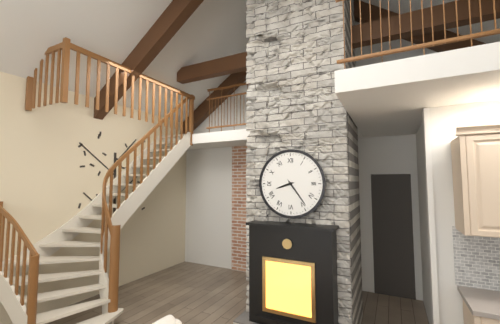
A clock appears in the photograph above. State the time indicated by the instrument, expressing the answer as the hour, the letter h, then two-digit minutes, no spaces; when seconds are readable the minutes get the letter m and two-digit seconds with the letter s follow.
8h24
